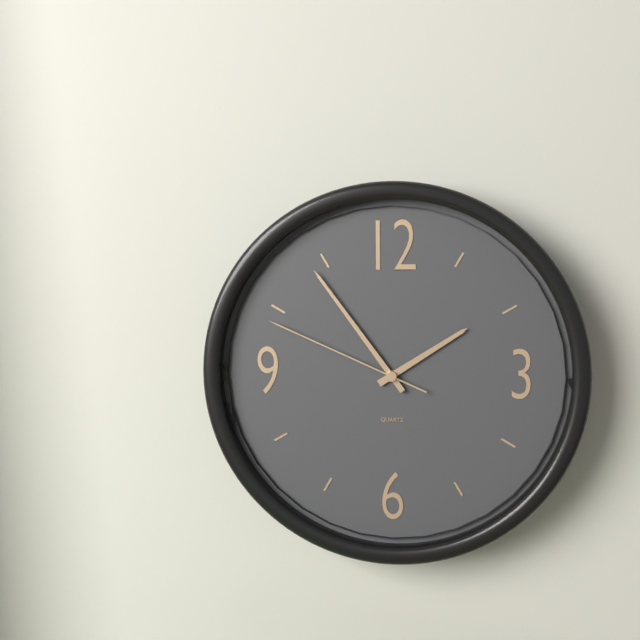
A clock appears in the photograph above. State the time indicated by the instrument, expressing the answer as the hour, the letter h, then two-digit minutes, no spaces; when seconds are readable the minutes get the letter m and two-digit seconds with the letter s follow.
1h54m49s
